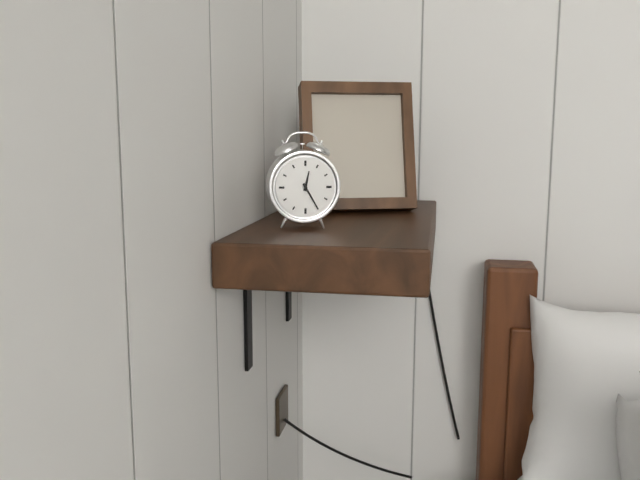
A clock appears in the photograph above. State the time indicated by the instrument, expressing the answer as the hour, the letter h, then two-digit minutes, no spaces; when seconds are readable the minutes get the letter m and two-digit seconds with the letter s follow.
12h25
